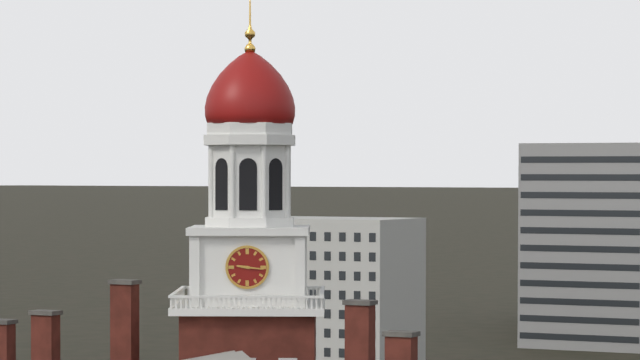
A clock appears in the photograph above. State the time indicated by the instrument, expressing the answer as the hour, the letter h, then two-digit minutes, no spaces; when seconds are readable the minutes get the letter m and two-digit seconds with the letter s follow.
9h16
